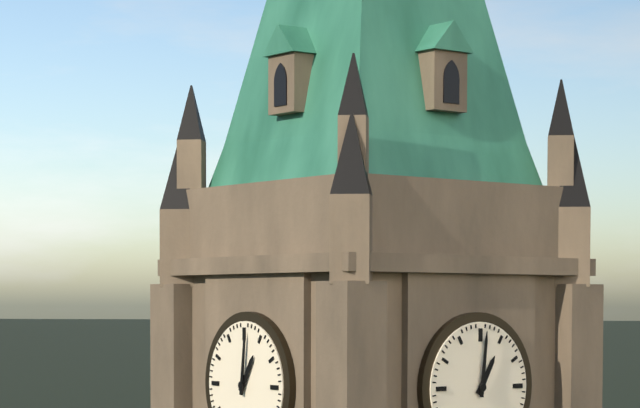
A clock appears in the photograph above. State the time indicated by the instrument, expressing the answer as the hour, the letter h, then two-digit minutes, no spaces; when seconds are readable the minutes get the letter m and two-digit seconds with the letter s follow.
1h01
